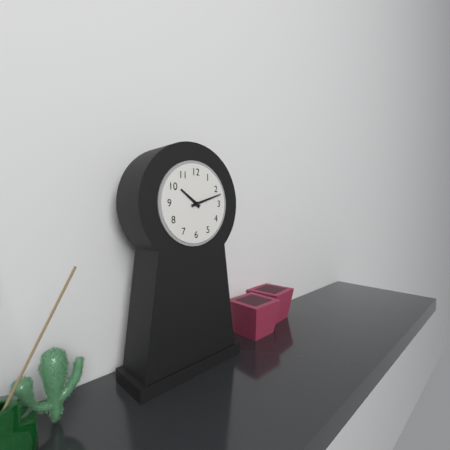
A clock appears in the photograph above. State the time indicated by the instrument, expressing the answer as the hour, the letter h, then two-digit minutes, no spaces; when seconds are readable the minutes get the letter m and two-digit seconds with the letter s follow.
10h12
